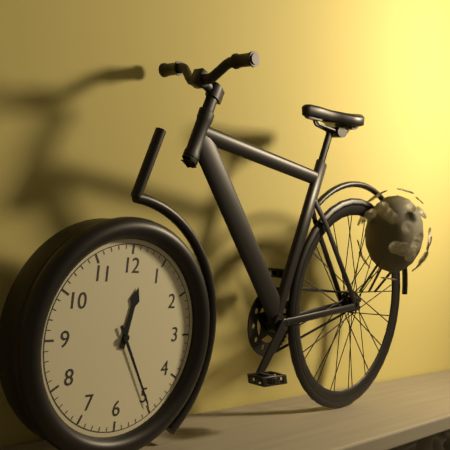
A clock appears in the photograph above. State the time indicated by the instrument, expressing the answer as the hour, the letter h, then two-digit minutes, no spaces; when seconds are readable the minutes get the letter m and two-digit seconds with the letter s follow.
12h25
